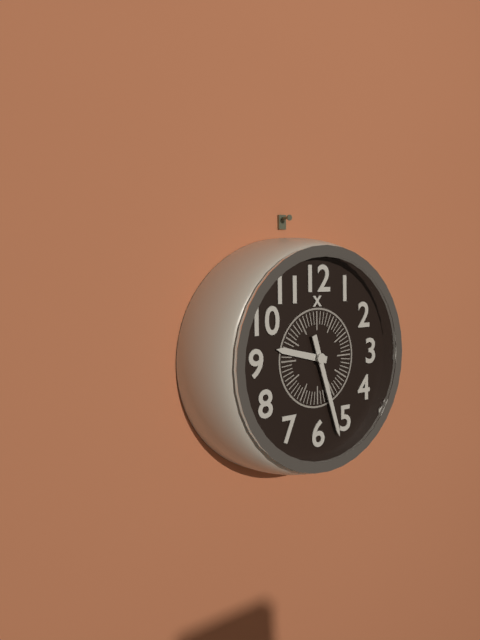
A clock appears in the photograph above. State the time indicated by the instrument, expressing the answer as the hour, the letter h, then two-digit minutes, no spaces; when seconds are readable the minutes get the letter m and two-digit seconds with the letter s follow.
9h27
